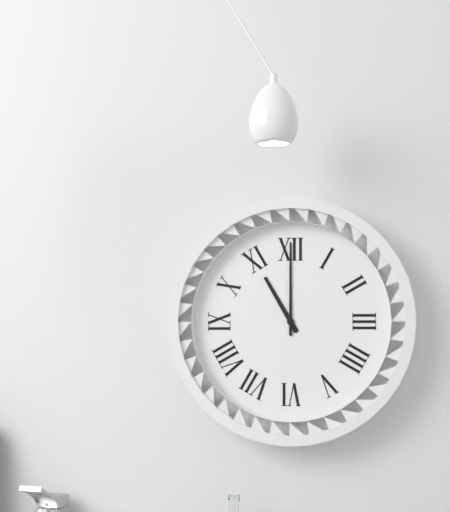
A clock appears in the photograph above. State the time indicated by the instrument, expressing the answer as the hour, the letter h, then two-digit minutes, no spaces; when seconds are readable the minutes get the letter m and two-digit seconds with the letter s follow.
11h00
